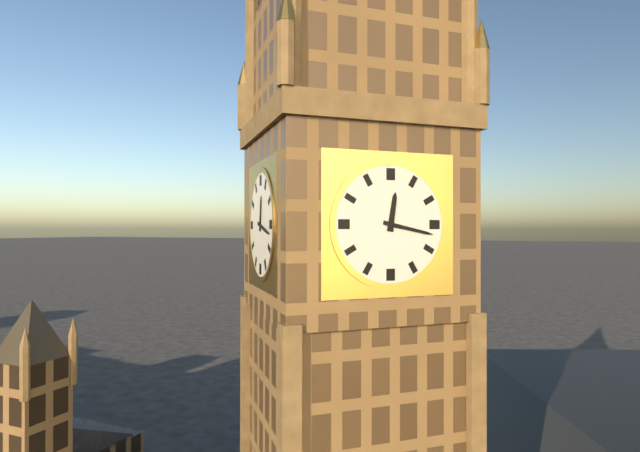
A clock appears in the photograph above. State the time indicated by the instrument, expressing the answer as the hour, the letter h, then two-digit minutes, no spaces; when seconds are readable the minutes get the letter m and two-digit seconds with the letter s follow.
12h17
